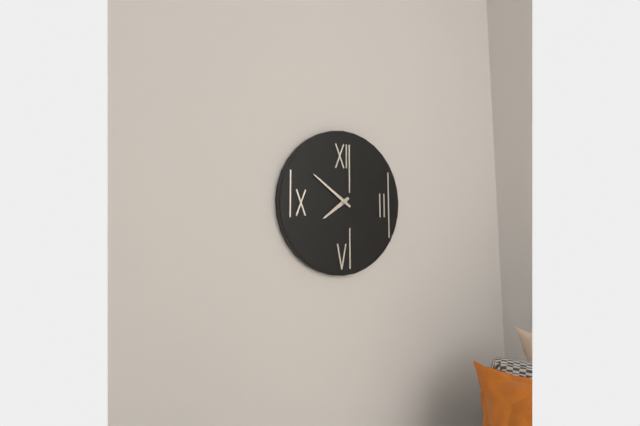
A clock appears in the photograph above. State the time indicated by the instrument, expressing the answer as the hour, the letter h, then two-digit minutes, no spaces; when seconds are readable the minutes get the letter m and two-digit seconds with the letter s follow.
7h51
